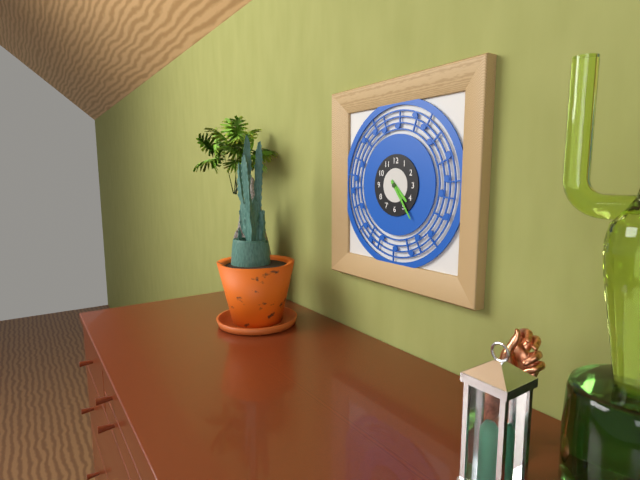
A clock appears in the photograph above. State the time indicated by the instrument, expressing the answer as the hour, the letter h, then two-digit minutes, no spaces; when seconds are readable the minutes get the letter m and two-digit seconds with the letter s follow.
4h24
